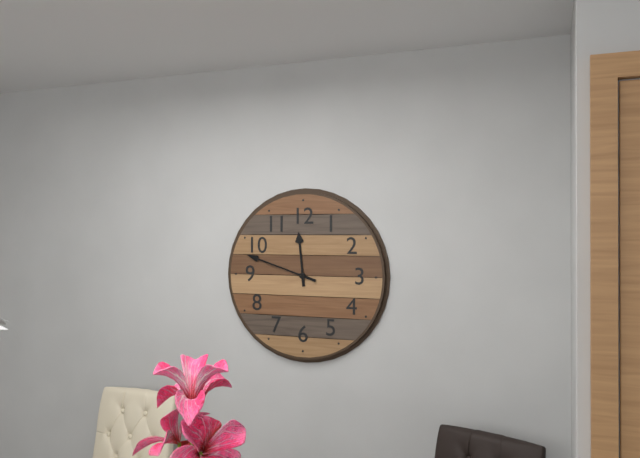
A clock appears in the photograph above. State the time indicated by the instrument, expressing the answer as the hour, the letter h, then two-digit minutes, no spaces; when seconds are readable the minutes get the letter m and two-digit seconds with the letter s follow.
11h48
